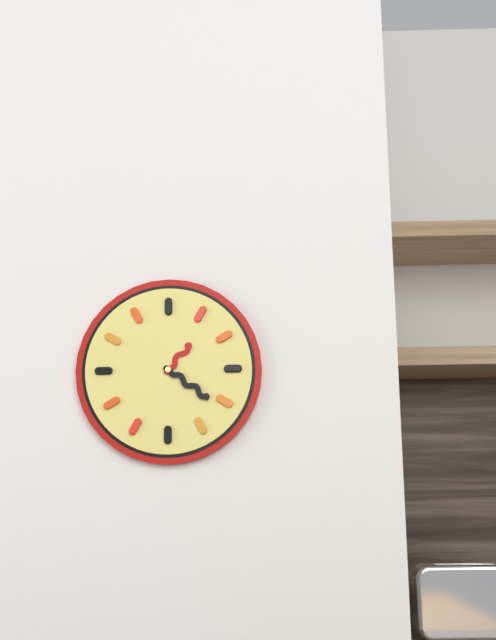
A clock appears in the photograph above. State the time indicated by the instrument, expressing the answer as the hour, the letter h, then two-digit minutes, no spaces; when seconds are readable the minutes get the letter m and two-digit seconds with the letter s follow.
1h21
